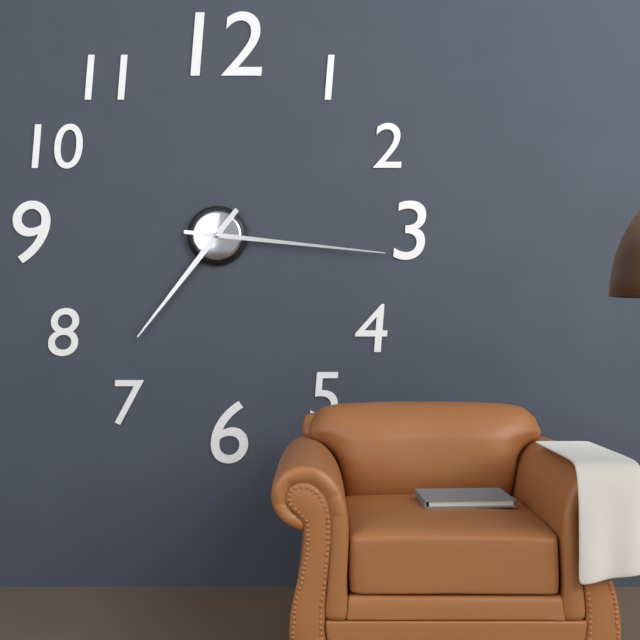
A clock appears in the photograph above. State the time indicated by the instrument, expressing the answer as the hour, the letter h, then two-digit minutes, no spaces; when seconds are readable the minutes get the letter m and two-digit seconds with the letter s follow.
7h16
